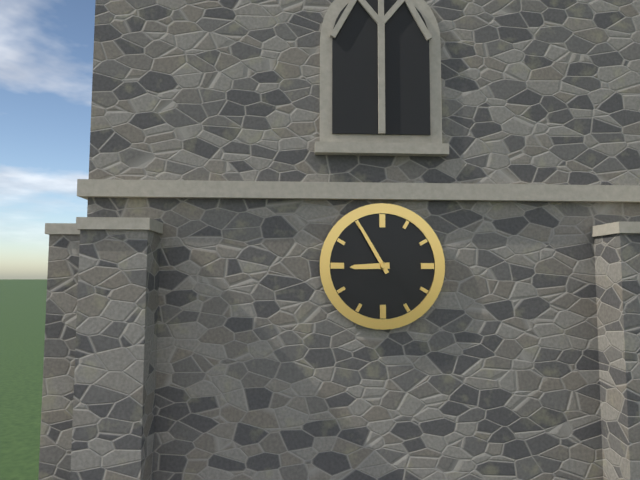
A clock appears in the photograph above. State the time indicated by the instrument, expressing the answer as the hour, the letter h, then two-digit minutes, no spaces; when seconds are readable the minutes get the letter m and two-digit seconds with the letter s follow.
8h55
